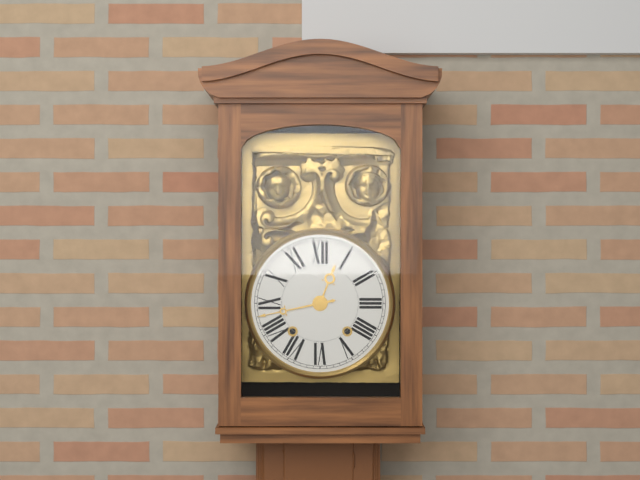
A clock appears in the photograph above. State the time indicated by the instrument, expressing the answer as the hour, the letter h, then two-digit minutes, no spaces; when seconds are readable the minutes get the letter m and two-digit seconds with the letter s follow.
12h43
